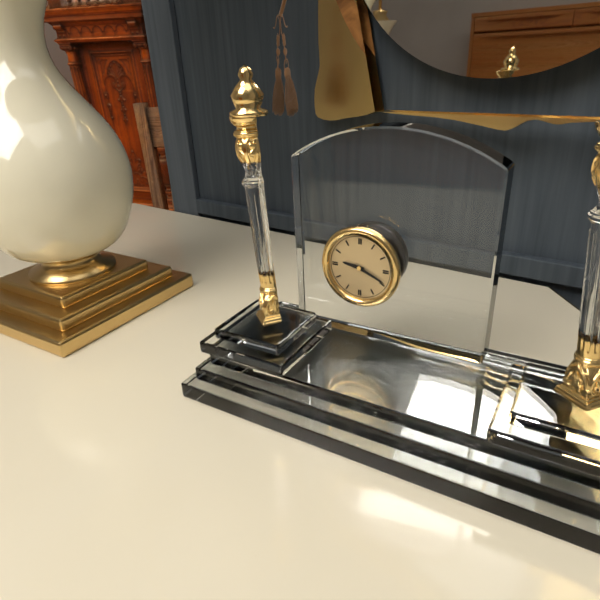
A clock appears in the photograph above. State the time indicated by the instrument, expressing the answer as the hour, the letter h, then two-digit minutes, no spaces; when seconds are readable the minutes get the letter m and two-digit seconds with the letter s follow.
9h19
